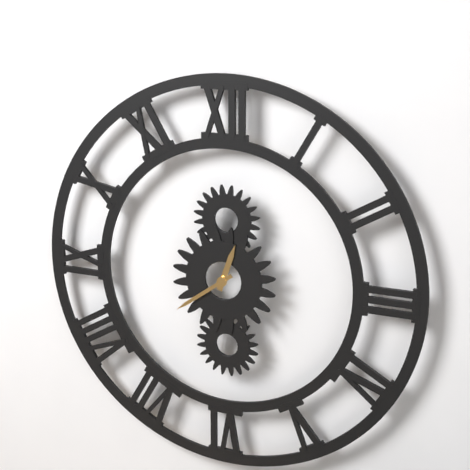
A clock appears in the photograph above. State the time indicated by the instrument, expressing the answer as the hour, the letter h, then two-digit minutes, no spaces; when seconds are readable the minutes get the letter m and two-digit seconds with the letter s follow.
12h39
